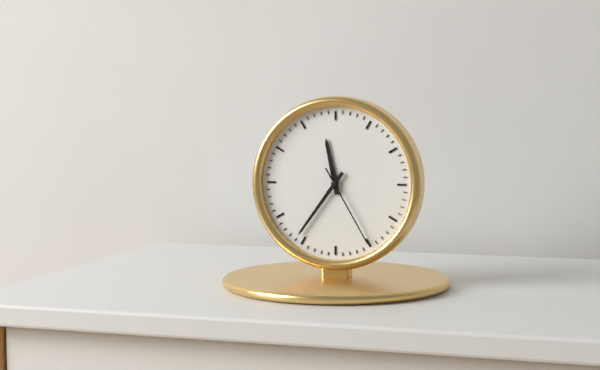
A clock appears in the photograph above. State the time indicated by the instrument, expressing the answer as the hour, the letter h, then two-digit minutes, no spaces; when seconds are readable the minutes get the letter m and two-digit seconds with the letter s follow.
11h36m25s
